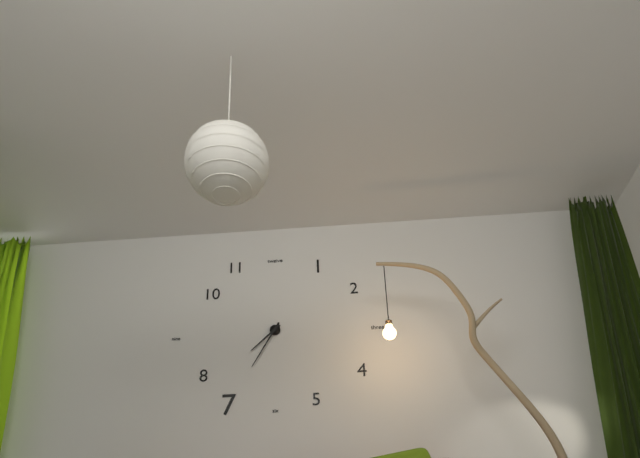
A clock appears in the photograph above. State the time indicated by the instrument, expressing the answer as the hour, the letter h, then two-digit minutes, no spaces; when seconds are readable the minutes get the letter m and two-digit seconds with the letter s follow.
7h35
